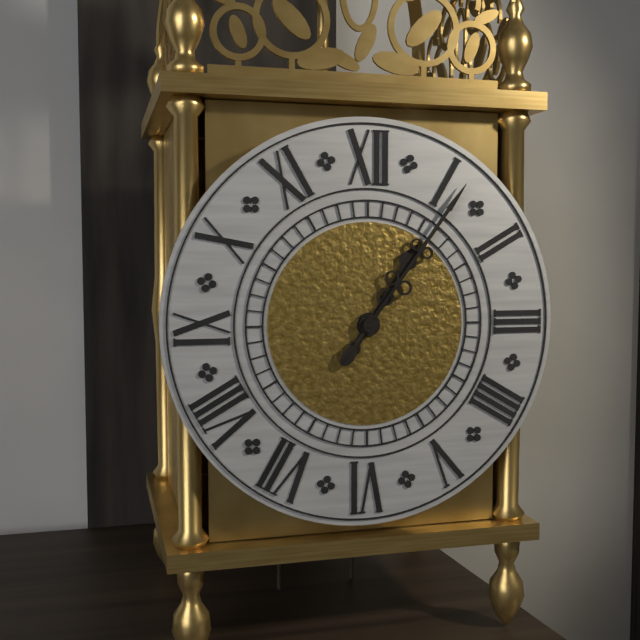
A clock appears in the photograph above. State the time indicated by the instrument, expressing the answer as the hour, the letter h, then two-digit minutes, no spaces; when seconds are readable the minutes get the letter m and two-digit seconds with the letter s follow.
1h06
